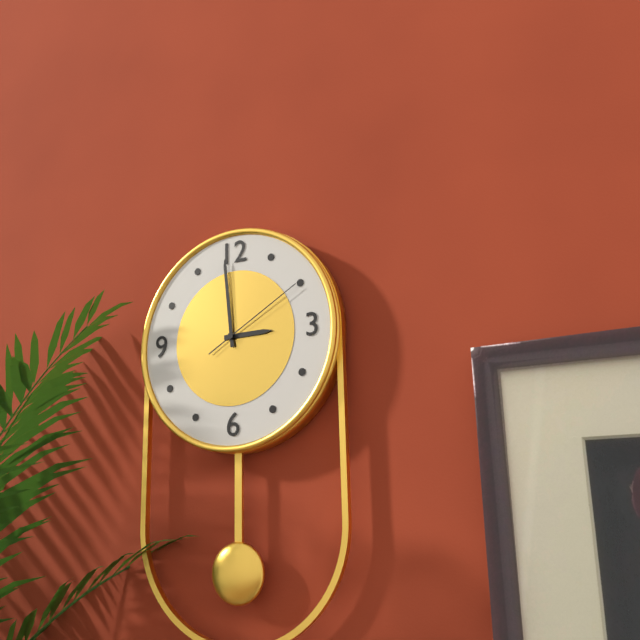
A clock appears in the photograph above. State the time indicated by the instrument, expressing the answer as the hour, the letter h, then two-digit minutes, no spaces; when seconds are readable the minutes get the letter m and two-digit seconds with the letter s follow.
2h59m10s
